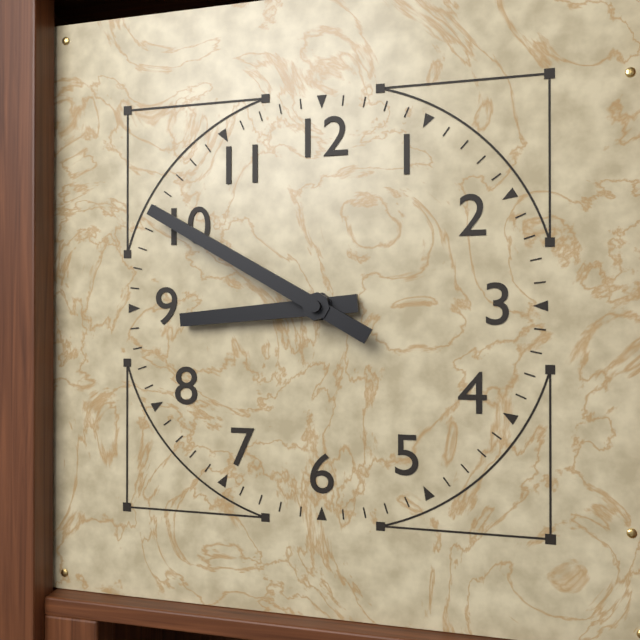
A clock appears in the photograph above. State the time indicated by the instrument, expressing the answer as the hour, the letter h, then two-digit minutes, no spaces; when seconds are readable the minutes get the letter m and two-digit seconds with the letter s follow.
8h50
